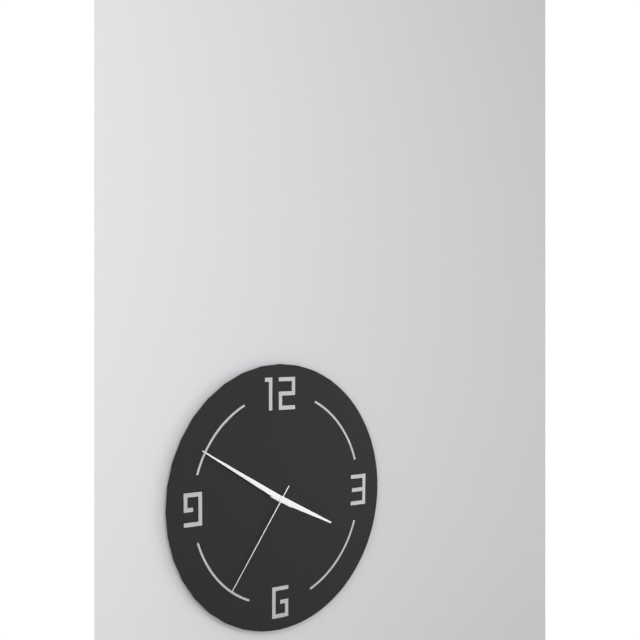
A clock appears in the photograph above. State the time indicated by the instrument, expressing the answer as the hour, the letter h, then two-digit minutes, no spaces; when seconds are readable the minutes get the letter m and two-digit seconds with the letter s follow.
3h50m36s
